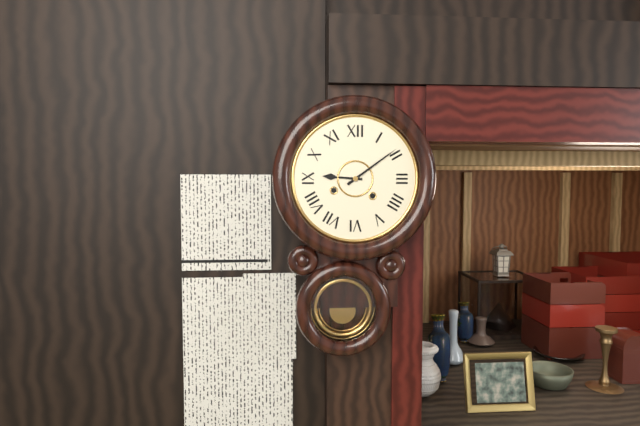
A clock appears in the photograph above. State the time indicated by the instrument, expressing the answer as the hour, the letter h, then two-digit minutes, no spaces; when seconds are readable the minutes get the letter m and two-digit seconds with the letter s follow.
9h09
